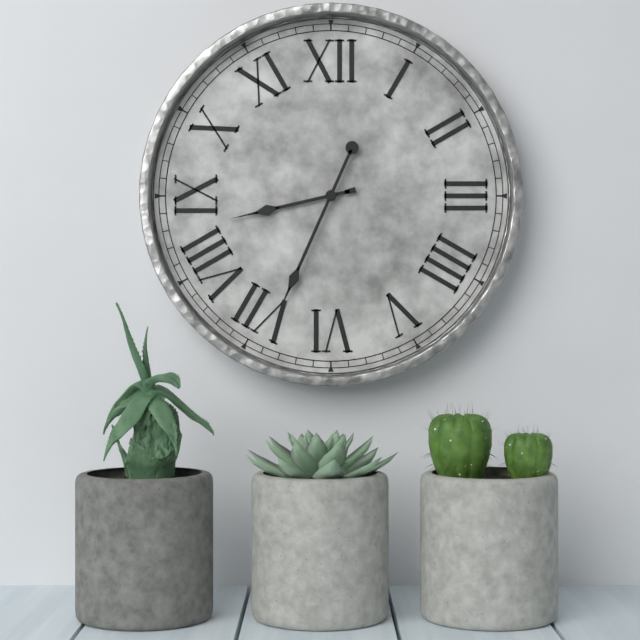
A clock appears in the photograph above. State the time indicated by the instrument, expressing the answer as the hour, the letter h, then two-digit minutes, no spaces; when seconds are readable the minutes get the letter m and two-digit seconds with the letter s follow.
8h34
